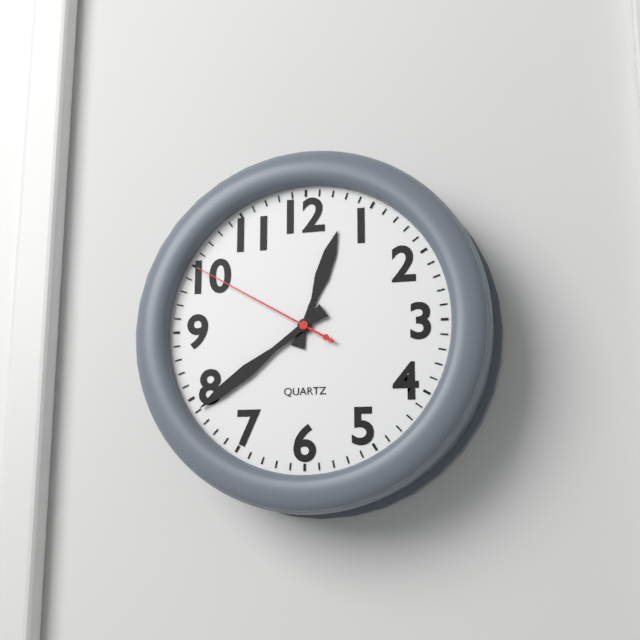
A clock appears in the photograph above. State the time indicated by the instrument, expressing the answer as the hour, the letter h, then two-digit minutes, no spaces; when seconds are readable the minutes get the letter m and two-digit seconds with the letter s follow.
12h39m50s
